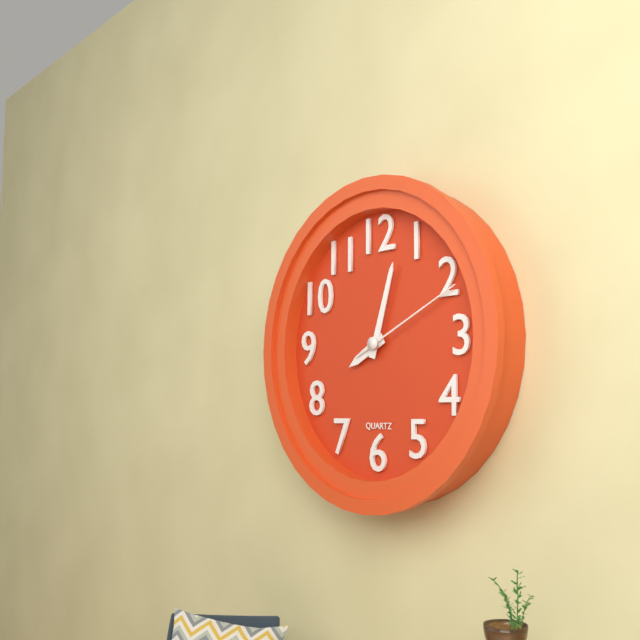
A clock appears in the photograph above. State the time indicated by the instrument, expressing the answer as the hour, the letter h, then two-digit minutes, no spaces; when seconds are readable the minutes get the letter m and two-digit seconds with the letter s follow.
8h03m11s
